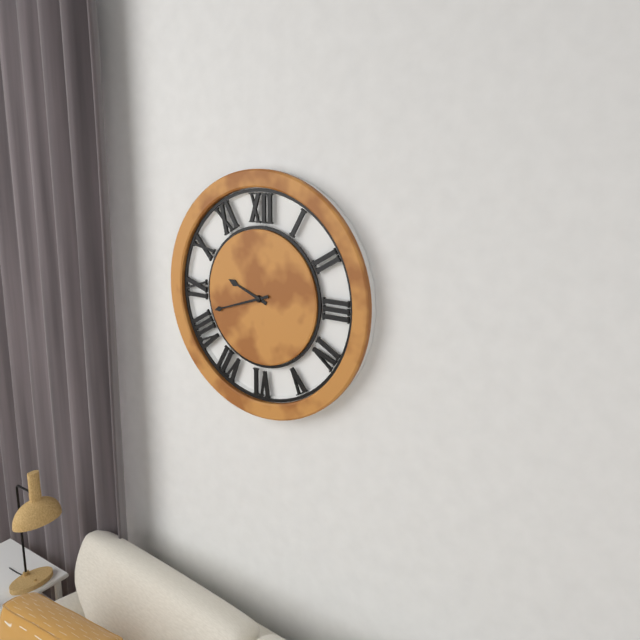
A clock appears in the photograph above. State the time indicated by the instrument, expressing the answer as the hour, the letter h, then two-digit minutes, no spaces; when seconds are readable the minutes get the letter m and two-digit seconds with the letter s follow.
9h42
